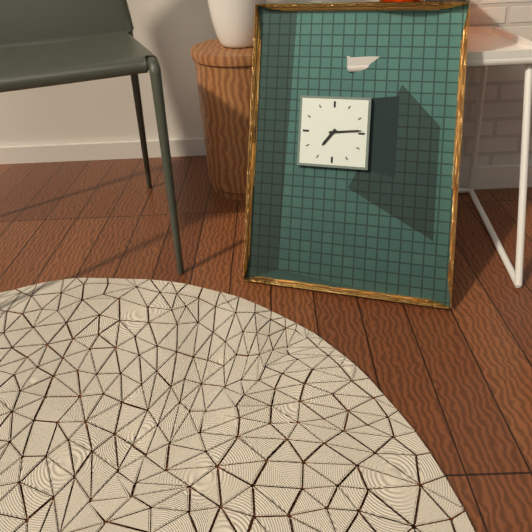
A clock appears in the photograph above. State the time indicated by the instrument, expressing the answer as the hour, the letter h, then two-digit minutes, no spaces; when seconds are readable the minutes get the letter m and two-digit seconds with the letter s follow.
7h14
